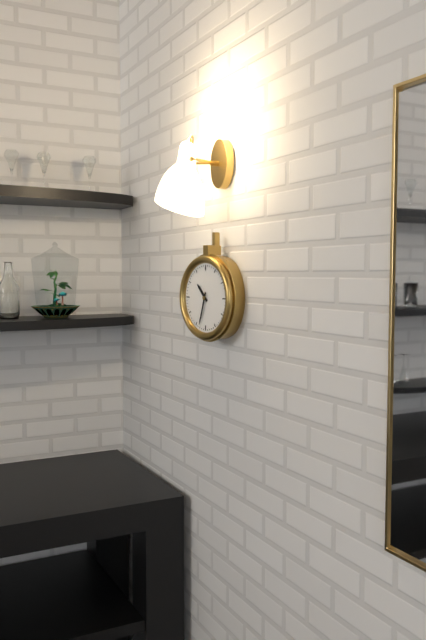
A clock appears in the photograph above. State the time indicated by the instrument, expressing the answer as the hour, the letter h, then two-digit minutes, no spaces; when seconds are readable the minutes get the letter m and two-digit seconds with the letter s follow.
10h33
